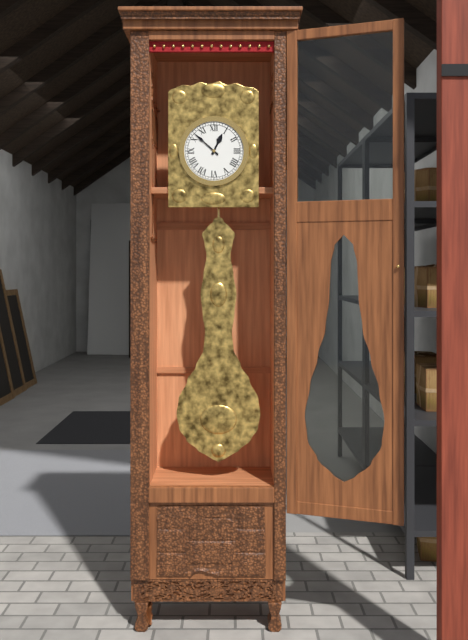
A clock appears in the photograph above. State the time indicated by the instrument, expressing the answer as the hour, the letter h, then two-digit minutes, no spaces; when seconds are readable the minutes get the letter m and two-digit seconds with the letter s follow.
12h52
